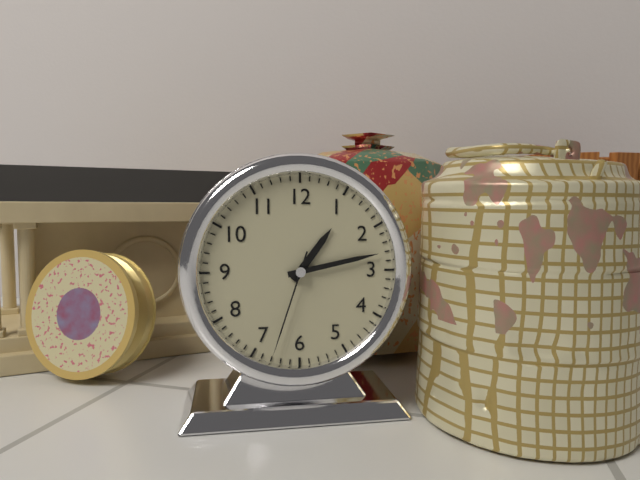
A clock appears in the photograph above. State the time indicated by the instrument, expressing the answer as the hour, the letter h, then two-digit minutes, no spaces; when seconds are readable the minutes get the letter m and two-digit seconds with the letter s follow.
1h13m33s
